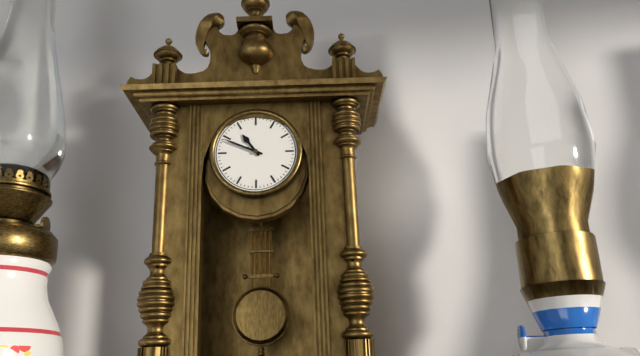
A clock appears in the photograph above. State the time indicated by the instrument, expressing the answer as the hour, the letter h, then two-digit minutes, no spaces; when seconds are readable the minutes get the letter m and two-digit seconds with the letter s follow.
10h49
